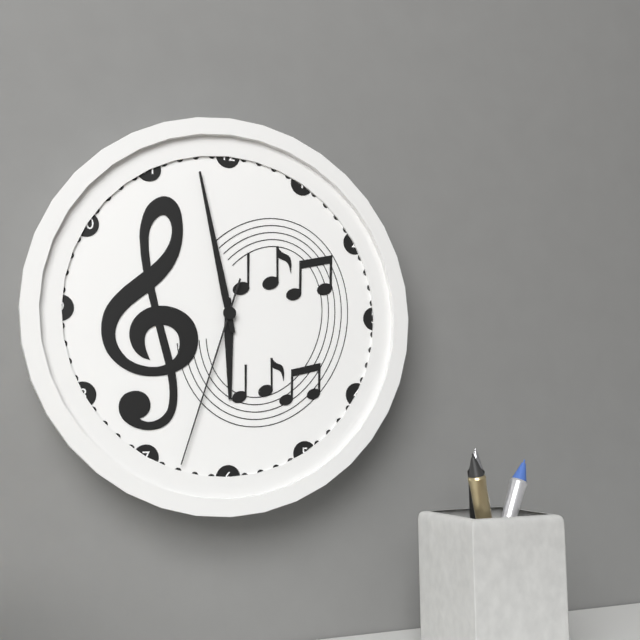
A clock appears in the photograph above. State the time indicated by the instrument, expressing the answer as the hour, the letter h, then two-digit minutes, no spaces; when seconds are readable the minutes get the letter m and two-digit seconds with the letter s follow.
5h58m33s
